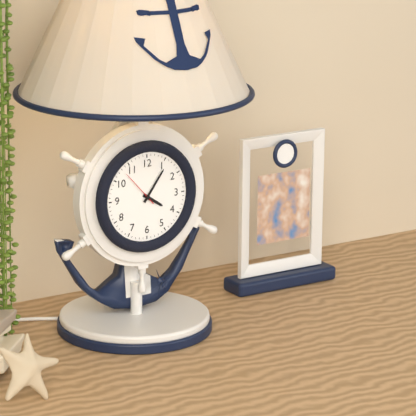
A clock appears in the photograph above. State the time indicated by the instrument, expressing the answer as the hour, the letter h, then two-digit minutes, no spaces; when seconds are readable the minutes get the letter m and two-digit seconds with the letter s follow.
4h06
